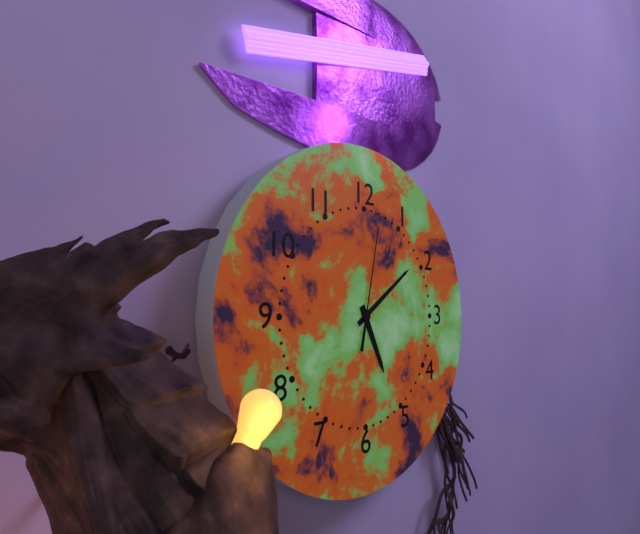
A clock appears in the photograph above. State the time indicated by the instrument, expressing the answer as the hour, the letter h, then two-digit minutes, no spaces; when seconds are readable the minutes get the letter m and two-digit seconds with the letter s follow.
5h09m02s
